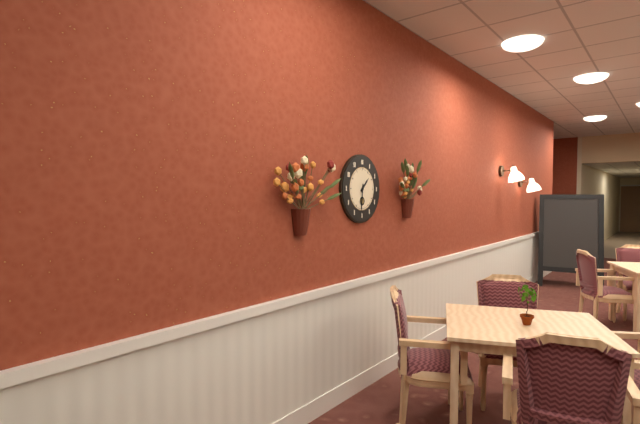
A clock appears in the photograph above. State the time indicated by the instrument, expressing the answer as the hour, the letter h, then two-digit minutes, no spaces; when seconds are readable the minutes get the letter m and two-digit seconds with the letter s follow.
1h31
